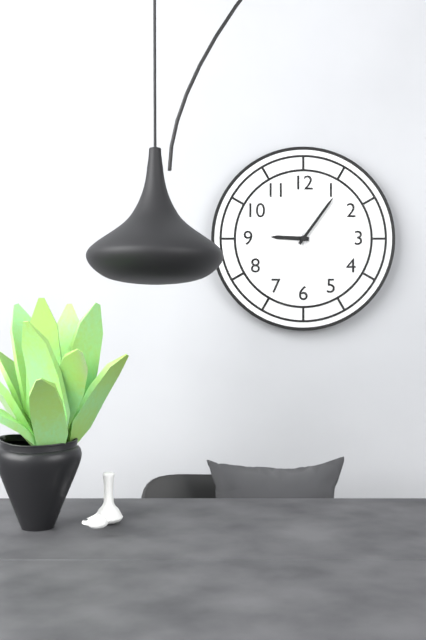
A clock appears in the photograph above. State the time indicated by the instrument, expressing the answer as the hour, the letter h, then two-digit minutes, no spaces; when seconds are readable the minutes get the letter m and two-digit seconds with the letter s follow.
9h06m57s
